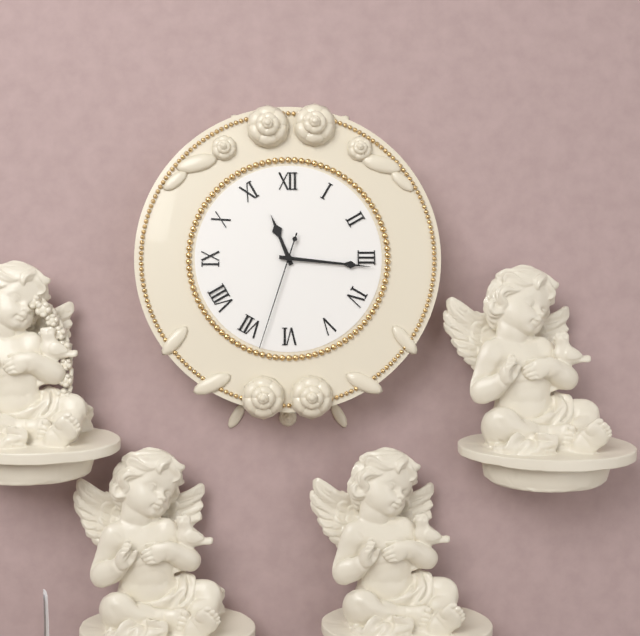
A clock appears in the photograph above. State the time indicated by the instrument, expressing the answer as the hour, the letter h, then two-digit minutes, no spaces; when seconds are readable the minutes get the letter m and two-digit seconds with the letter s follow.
11h16m33s
